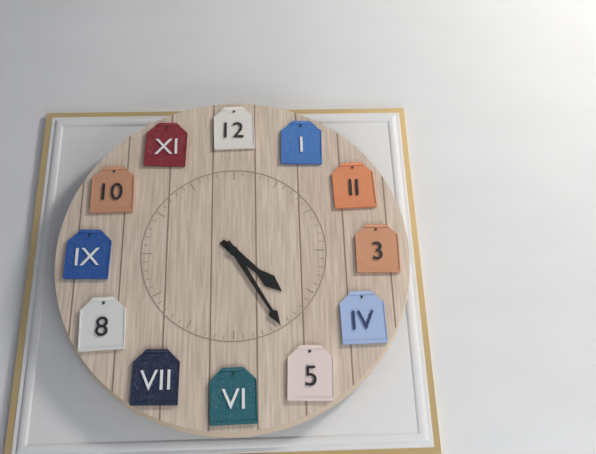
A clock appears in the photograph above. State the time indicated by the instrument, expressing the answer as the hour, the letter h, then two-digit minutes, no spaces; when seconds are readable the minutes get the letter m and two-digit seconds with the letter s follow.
4h25
